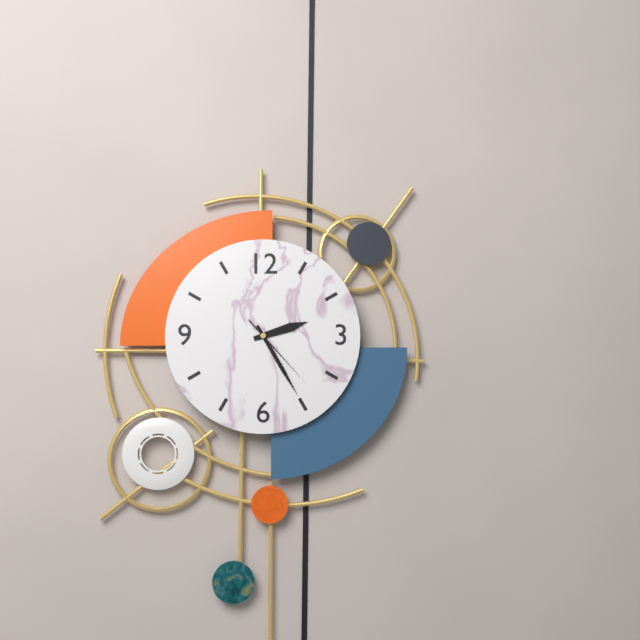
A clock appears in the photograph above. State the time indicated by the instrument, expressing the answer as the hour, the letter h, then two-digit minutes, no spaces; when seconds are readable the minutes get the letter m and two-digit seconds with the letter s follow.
2h25m23s
